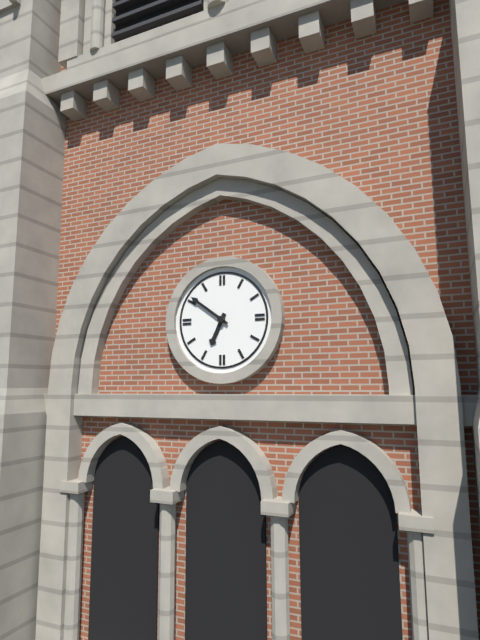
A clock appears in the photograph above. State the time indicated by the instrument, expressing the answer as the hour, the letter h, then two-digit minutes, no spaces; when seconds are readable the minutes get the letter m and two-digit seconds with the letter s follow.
6h51
